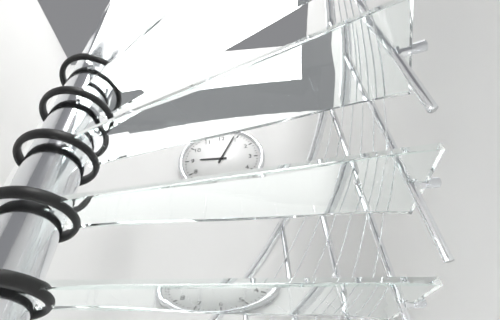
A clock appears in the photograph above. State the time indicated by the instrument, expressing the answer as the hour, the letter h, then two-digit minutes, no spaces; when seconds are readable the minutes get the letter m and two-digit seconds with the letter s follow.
9h04
